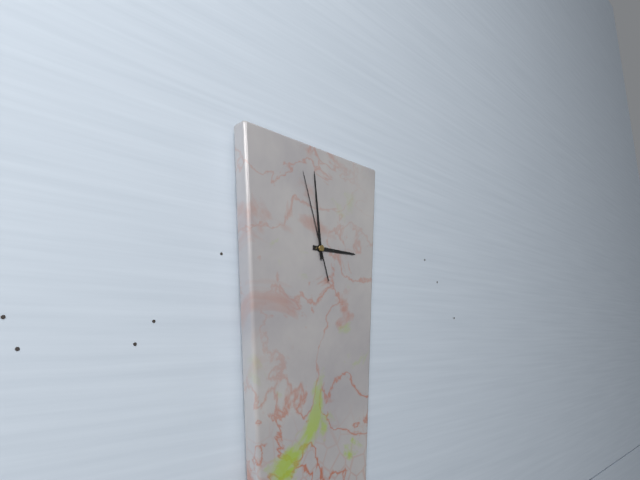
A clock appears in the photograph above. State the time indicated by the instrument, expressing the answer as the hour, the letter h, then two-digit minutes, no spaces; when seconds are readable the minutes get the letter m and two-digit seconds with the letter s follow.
2h59m57s
